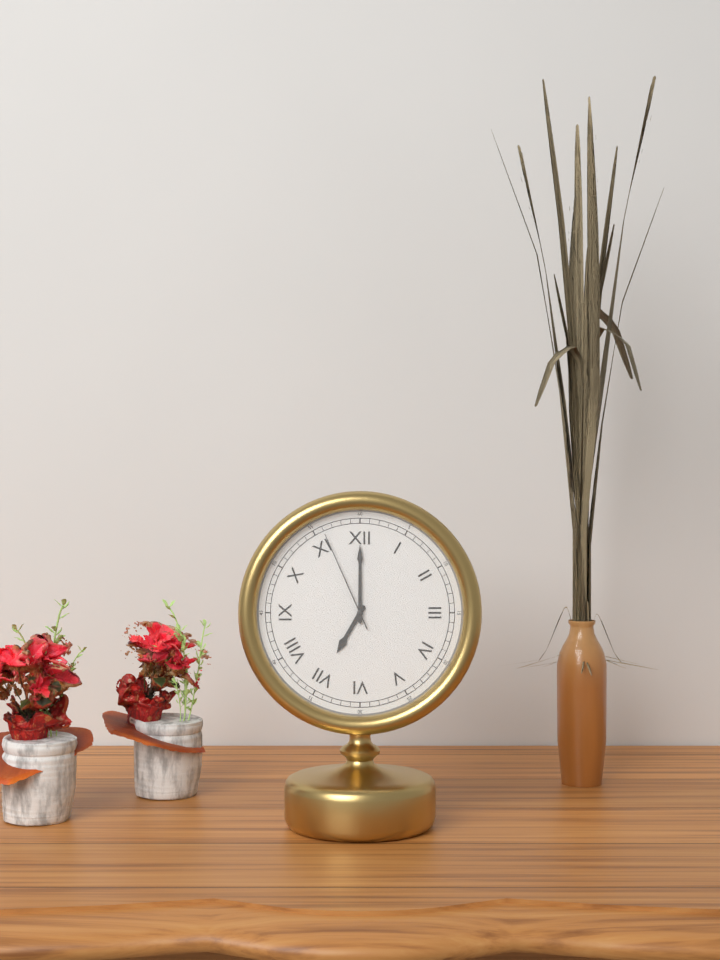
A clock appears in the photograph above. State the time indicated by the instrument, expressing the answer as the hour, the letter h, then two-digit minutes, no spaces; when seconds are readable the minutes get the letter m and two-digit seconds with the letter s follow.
7h00m56s
